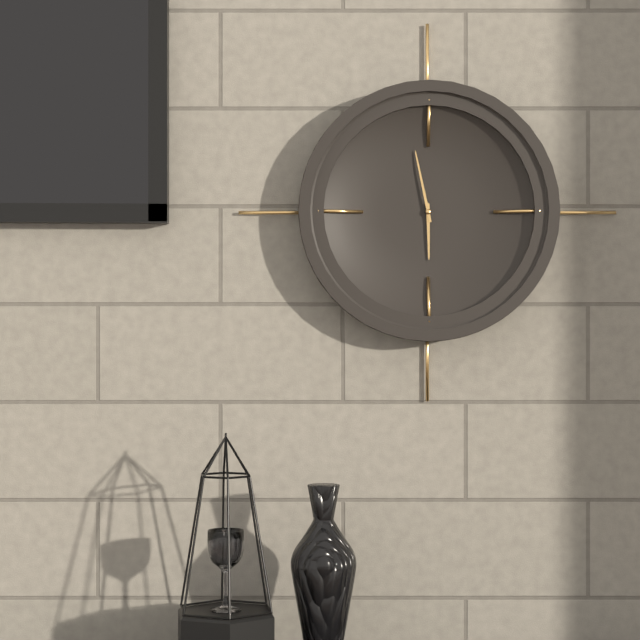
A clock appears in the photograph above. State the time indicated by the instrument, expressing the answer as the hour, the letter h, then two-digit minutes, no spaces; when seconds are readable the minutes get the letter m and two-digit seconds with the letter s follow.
5h58
